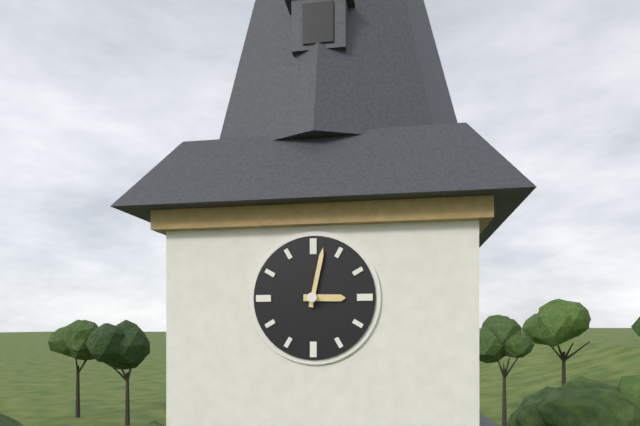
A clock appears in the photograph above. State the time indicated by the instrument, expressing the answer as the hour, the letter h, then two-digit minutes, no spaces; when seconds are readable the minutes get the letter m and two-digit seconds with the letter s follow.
3h02
